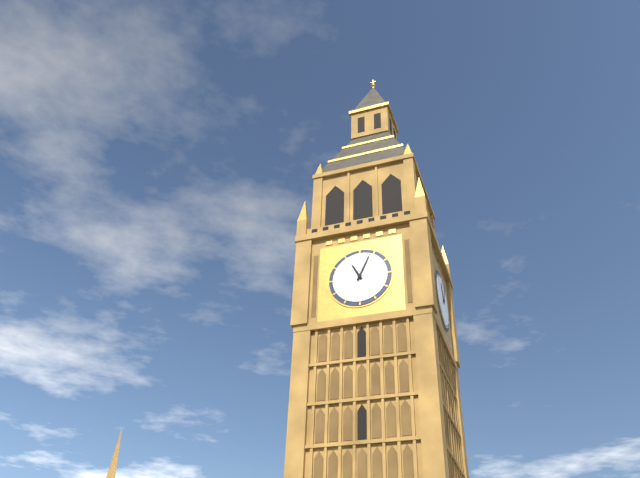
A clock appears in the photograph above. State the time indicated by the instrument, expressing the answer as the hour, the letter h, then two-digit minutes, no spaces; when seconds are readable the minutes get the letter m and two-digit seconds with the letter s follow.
11h04
